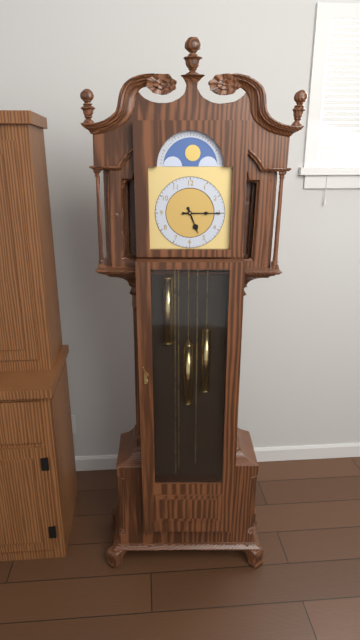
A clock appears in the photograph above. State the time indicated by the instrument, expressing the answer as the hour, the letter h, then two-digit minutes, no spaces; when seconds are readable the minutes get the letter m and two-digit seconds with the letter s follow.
5h15
